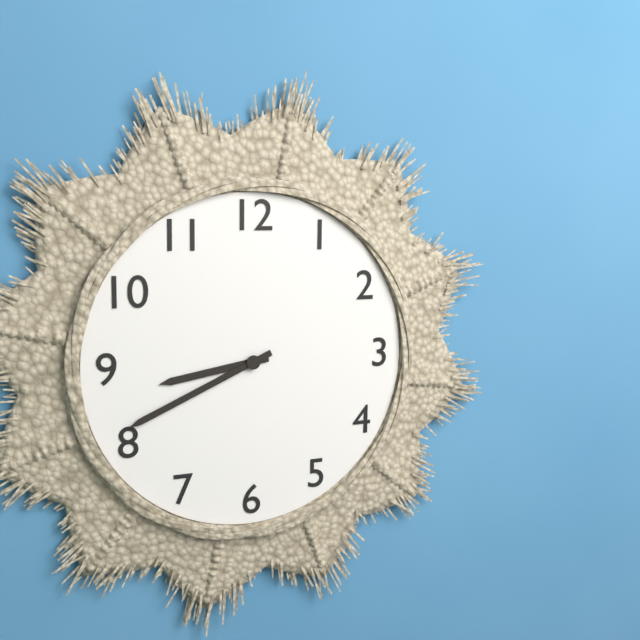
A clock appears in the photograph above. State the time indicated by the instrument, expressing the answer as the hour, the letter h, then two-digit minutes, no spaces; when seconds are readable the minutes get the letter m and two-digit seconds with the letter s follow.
8h41
